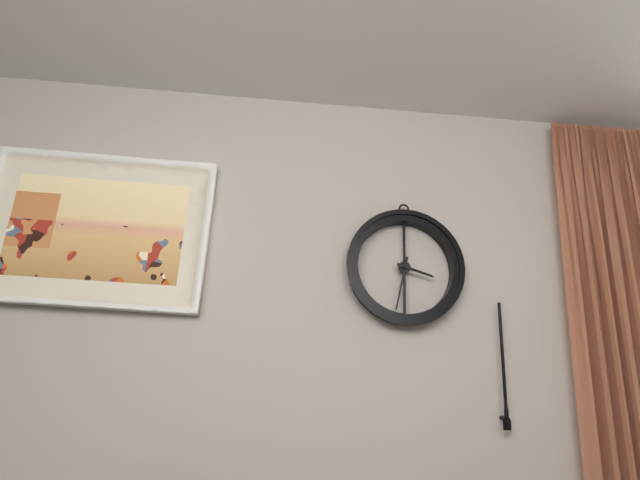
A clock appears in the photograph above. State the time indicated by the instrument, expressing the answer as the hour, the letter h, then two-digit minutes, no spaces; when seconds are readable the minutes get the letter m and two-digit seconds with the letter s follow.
3h32
